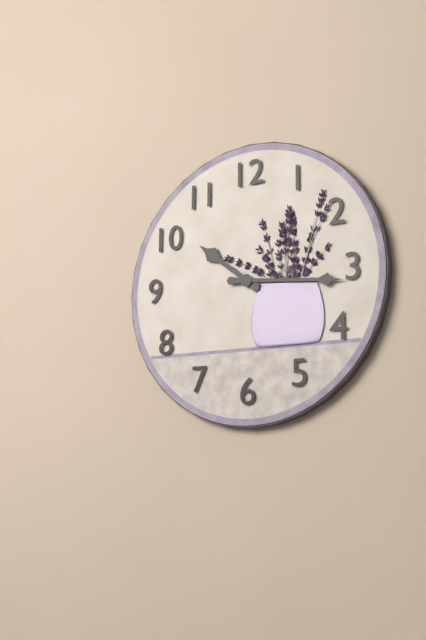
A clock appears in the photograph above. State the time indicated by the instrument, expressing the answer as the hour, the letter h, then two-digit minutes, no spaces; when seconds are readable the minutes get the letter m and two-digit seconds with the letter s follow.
10h16
